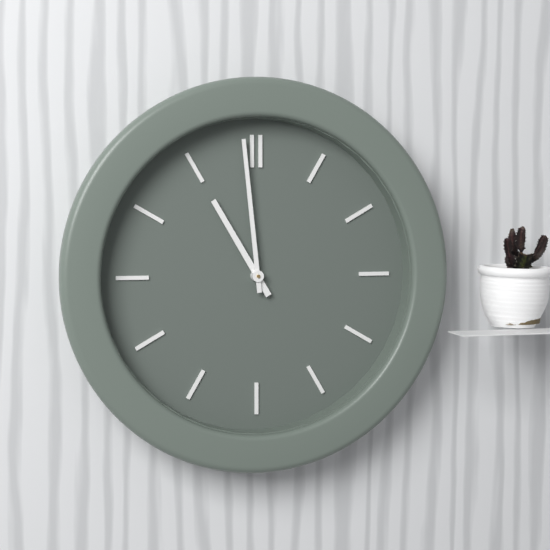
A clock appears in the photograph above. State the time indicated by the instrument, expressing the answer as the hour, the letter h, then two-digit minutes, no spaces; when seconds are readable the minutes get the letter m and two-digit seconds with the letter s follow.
10h59
